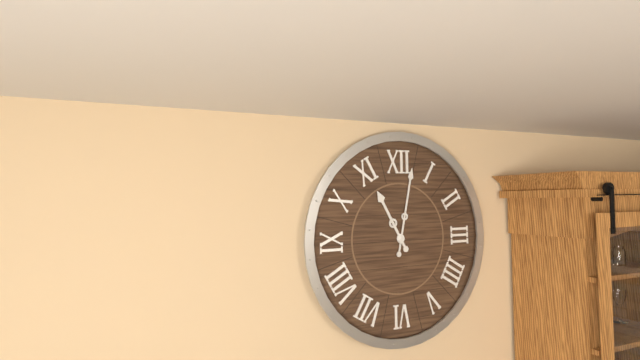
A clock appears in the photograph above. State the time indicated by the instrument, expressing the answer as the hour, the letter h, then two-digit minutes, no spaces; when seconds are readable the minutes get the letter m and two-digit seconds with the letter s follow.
11h02
